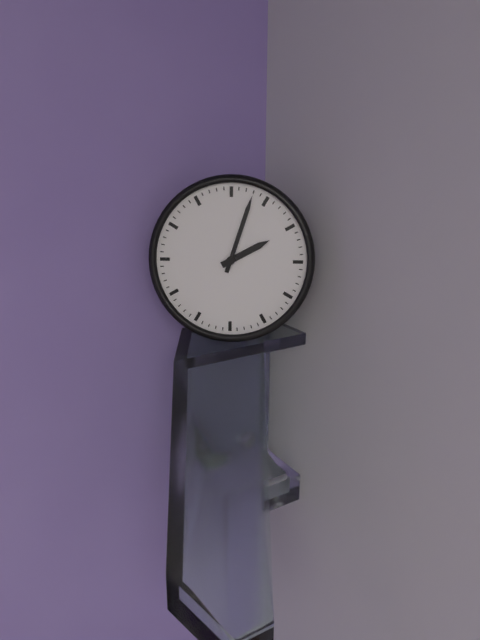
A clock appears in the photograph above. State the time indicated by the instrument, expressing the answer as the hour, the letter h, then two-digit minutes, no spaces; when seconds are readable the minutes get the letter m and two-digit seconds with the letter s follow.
2h03
